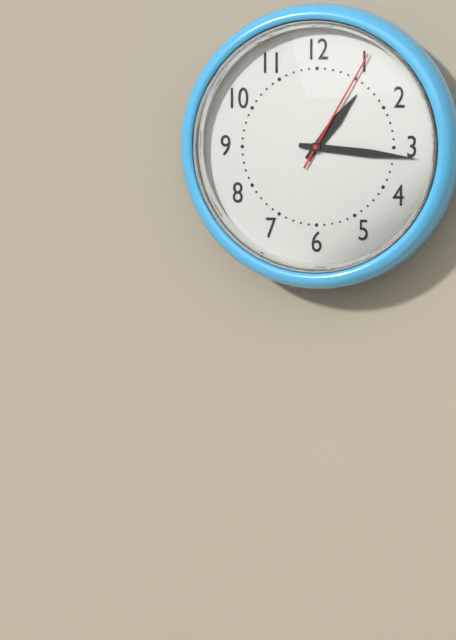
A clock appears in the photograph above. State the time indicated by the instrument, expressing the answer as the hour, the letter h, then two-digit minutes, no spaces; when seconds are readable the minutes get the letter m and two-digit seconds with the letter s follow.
1h16m05s
